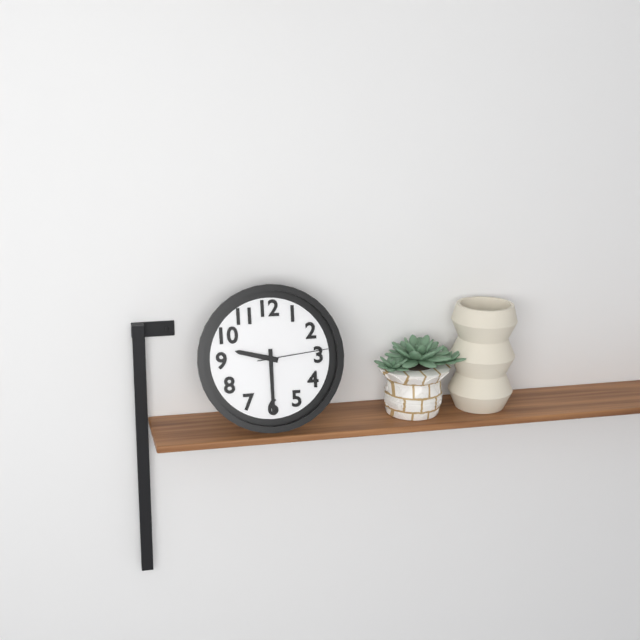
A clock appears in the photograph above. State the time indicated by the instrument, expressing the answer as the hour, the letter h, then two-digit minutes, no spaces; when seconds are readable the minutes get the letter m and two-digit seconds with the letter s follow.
9h30m14s
